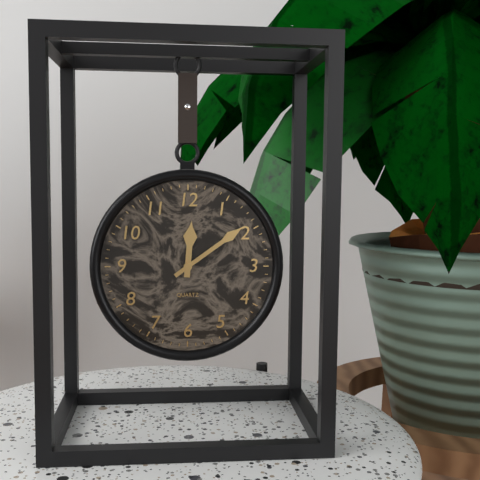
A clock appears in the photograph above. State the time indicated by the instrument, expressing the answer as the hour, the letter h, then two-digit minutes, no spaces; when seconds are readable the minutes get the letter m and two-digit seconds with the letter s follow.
12h09
